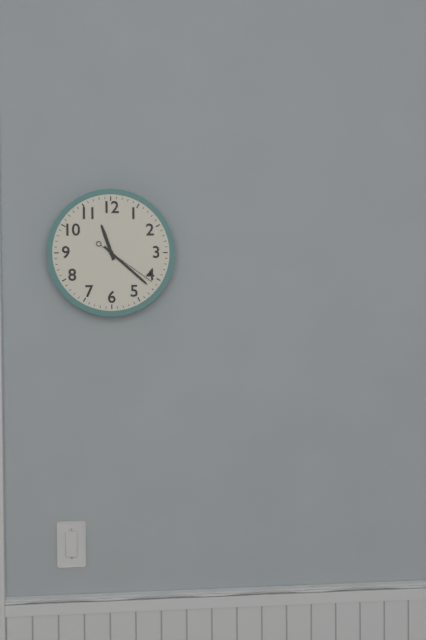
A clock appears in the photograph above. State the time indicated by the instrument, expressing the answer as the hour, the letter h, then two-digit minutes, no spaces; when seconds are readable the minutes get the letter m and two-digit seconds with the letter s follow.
11h22m21s
